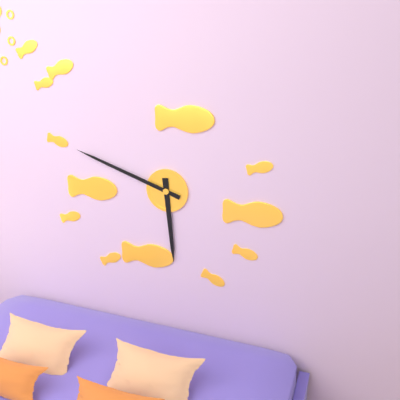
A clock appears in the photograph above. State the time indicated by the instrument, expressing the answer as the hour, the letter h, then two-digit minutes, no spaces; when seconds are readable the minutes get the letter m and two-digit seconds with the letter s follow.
5h48
